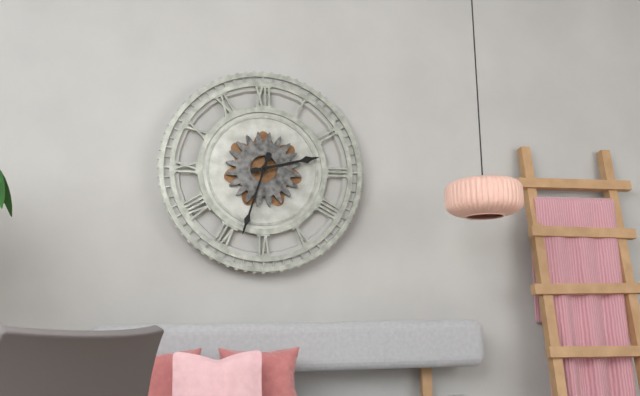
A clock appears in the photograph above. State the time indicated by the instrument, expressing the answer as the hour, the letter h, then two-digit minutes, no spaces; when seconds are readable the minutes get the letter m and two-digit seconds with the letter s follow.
2h33
